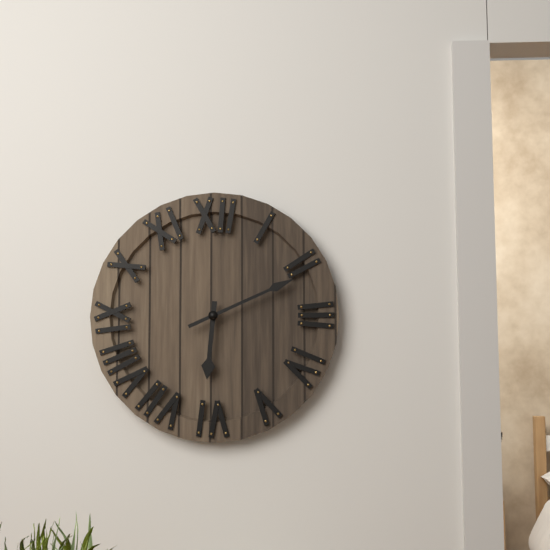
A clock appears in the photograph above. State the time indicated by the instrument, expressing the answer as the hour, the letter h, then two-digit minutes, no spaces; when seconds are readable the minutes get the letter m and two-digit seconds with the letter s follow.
6h11
